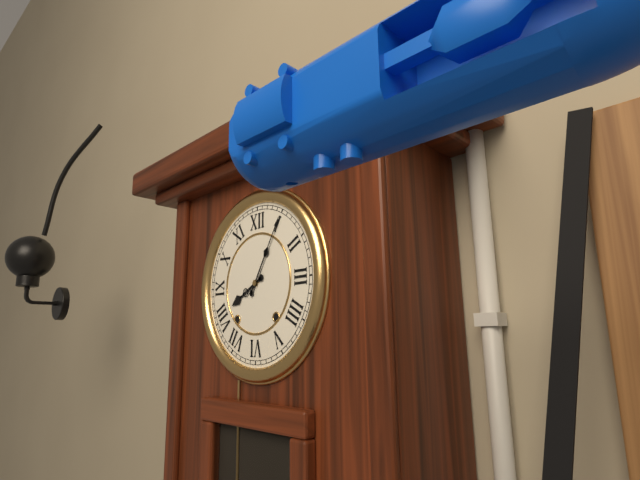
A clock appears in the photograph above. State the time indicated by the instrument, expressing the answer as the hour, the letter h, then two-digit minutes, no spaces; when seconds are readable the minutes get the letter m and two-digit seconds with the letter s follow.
8h05
